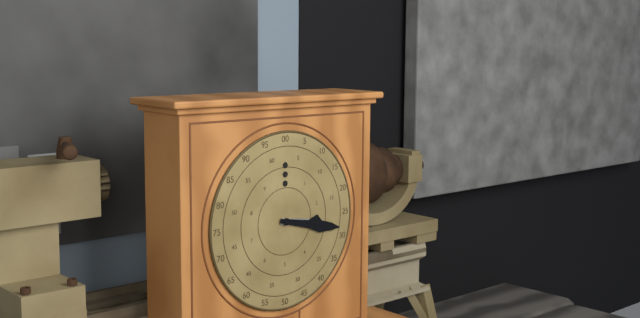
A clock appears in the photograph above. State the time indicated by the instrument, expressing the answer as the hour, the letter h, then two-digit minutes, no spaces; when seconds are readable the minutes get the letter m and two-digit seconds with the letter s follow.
3h17
